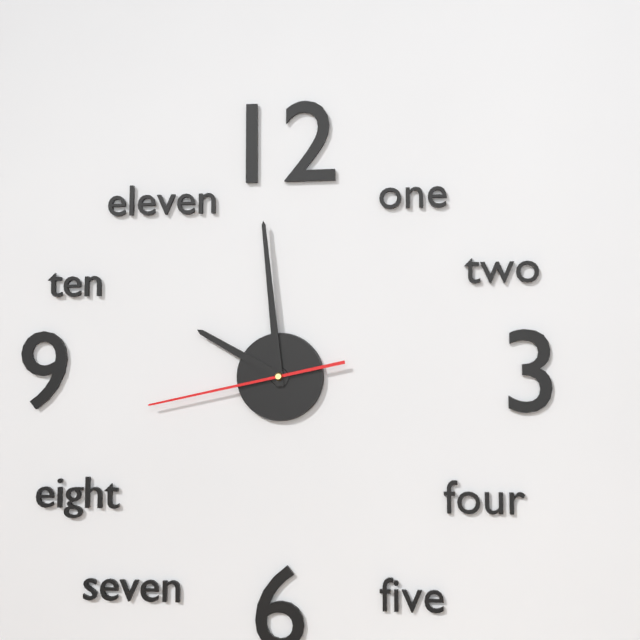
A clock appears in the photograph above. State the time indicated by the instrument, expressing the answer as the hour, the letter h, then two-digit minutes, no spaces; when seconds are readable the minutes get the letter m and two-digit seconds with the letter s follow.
9h59m43s
